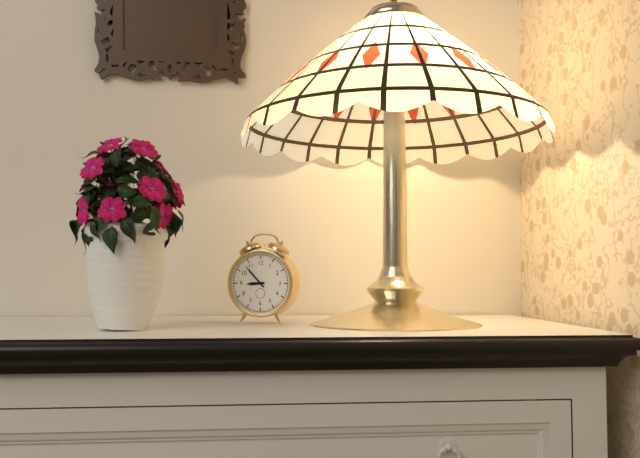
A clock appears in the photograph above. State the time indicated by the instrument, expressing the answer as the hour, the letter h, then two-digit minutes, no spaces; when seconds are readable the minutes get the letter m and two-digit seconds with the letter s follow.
8h53
